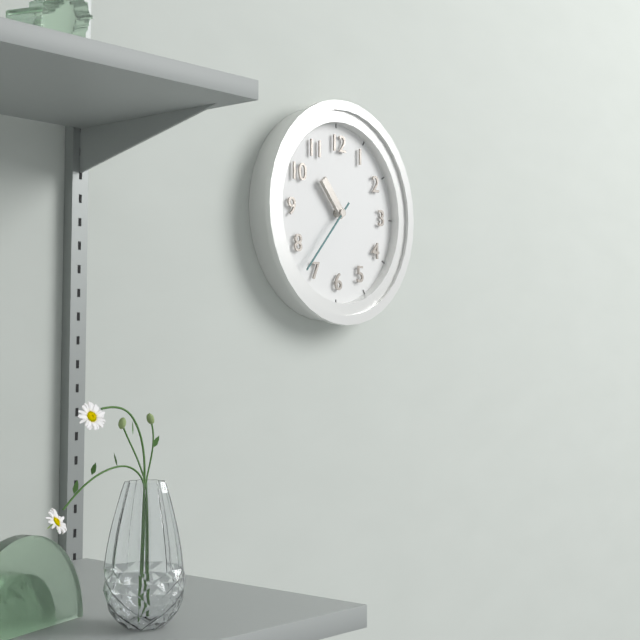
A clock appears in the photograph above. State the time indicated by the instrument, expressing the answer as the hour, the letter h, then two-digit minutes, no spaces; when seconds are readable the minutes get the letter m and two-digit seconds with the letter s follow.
10h37
